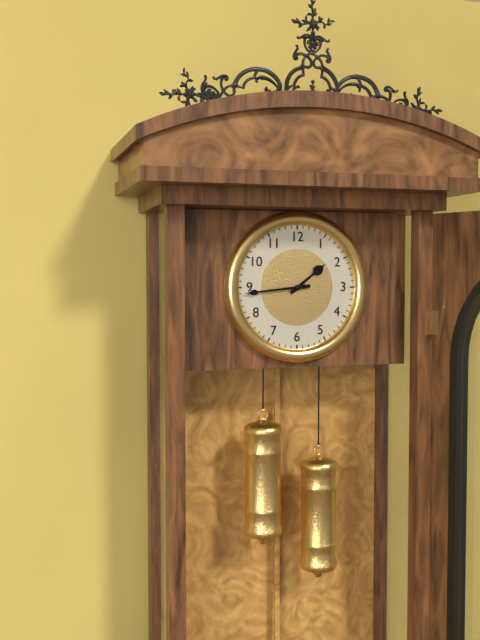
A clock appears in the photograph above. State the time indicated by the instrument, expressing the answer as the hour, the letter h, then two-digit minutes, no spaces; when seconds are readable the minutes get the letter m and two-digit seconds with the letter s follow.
1h44
